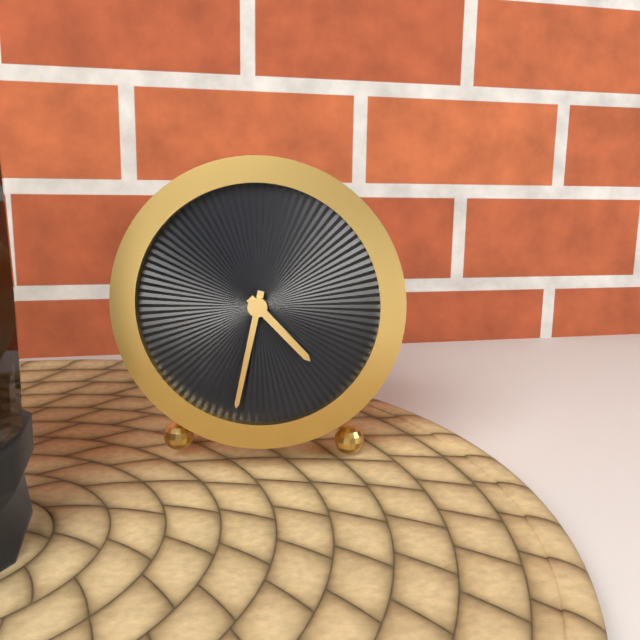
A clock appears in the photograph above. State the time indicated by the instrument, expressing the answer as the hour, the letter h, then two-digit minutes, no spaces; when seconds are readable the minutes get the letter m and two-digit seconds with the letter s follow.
4h32
